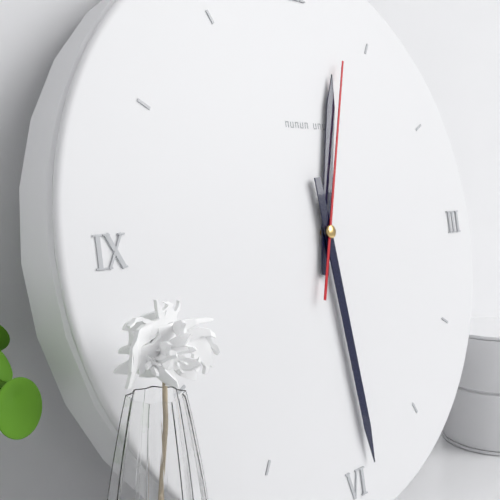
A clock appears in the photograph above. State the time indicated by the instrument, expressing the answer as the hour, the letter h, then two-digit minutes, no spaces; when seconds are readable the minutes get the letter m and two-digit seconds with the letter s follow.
12h29m03s
